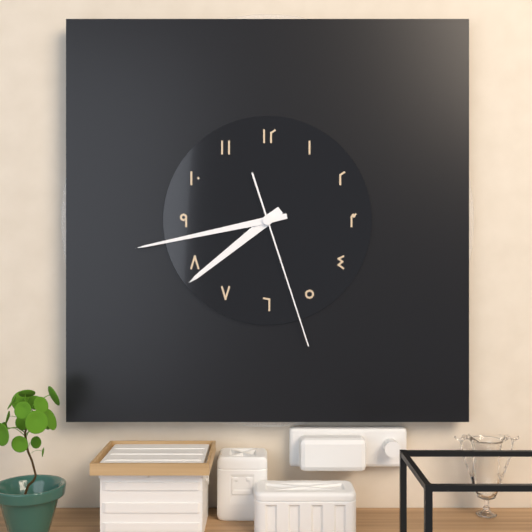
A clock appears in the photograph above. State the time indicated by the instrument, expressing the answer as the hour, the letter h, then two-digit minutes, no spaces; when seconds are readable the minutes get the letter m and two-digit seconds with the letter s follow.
7h43m27s
